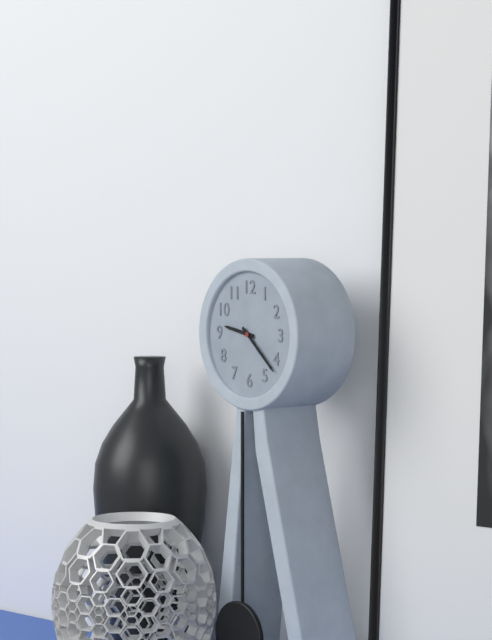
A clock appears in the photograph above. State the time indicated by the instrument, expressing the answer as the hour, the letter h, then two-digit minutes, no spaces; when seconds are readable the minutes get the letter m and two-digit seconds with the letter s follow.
9h22
